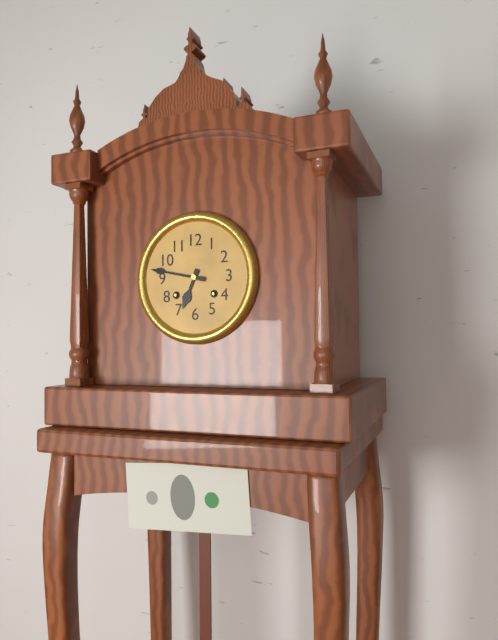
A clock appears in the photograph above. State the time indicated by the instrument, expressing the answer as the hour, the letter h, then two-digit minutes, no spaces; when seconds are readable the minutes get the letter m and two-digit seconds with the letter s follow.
6h47
